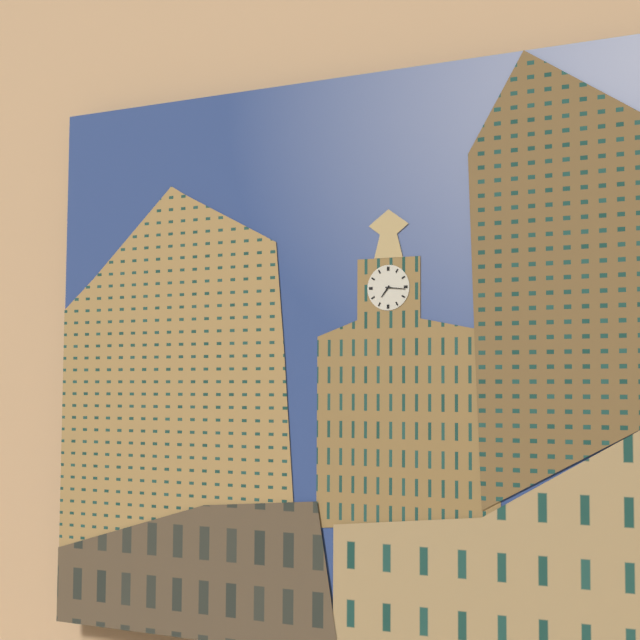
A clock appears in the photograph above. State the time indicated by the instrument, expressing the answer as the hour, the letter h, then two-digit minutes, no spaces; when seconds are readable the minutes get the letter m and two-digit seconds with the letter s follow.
7h16
